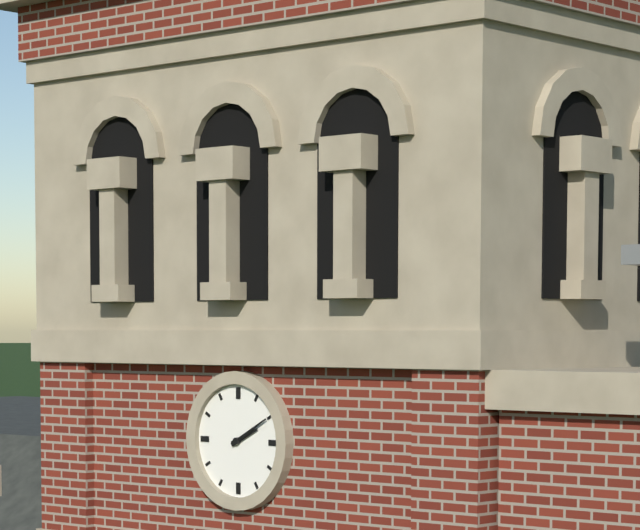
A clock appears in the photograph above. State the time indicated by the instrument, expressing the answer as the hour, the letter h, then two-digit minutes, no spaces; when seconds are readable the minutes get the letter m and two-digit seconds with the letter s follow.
2h10
